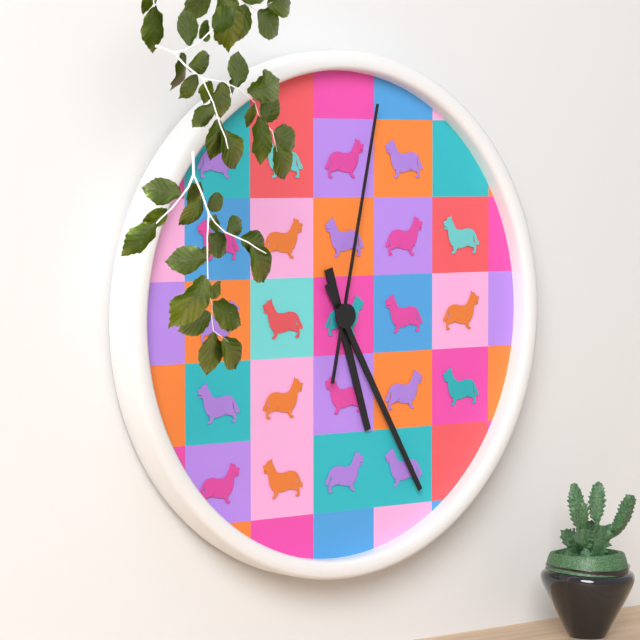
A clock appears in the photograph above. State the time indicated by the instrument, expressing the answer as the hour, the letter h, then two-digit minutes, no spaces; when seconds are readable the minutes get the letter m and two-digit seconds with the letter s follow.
5h25m02s
